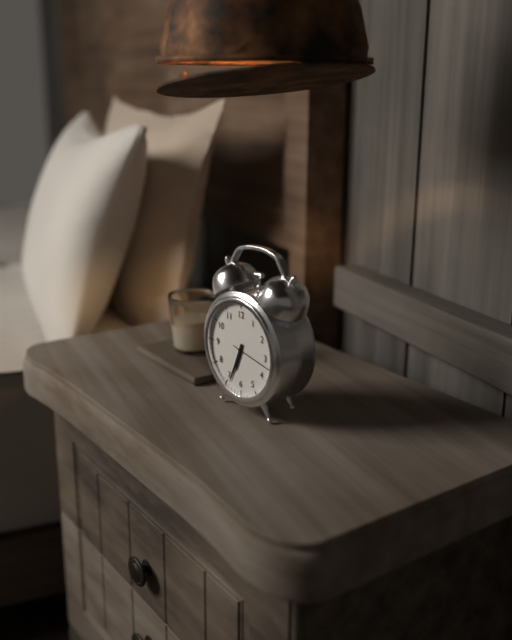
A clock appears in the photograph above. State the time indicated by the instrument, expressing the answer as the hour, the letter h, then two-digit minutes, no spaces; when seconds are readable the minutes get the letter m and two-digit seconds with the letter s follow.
6h34
